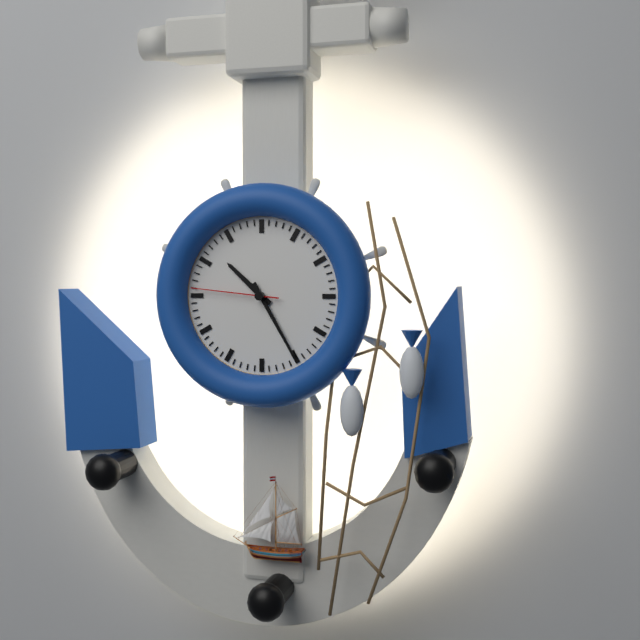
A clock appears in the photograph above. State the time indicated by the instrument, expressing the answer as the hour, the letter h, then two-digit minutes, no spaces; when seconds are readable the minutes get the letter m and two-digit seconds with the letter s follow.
10h25m46s
